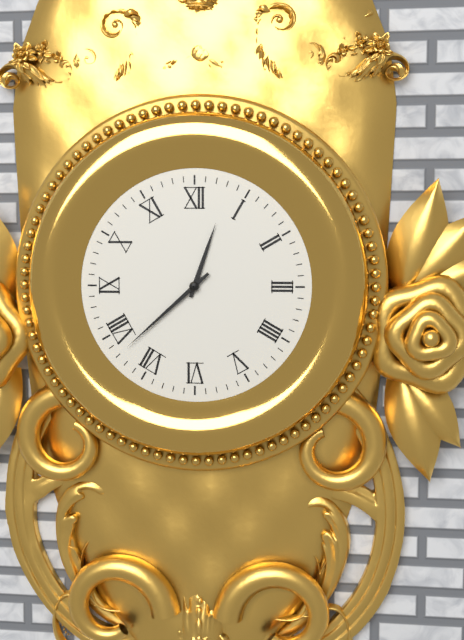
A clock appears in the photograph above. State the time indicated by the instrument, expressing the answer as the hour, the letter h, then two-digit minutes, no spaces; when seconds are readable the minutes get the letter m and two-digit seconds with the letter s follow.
12h38
